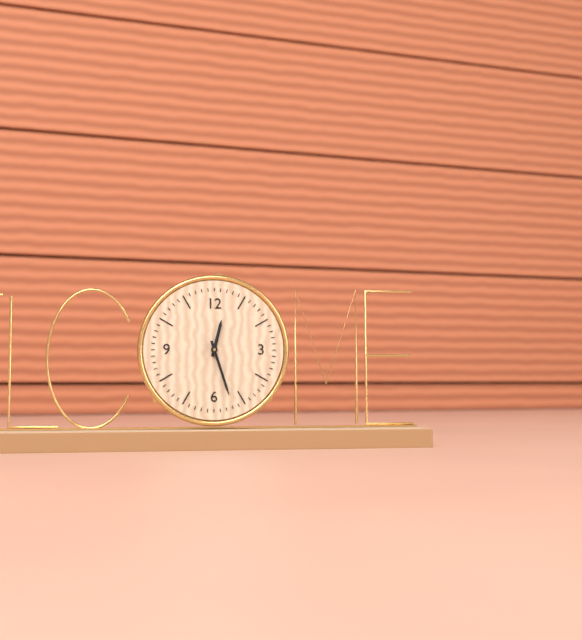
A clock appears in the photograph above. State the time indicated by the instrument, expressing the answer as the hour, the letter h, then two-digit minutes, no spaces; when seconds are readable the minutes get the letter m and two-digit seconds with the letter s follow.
12h27
